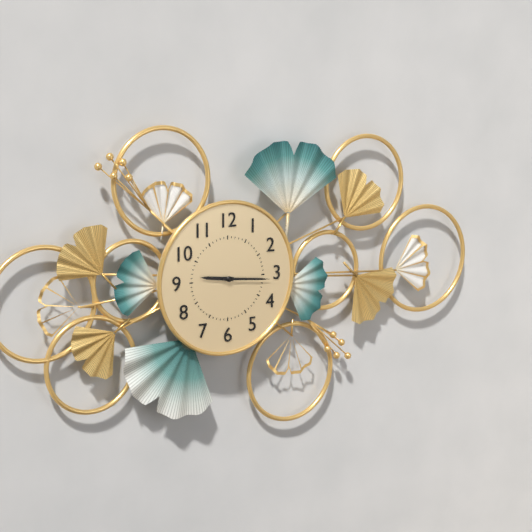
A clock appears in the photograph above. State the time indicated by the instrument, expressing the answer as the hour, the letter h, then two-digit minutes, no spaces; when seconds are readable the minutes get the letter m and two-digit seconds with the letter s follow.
9h16
